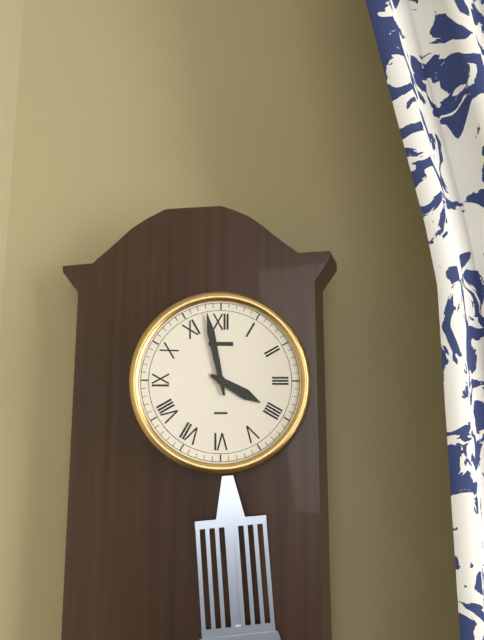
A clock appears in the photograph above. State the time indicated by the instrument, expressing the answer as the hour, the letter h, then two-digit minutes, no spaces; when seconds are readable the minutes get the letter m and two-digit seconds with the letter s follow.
3h58
